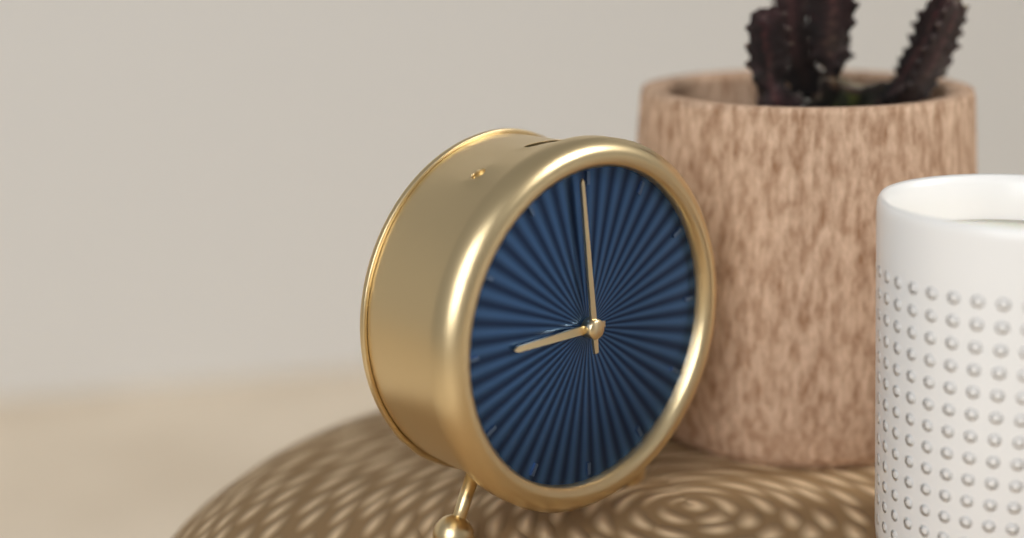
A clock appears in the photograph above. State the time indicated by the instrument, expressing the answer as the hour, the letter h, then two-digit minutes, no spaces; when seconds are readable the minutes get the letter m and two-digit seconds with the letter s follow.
8h59
